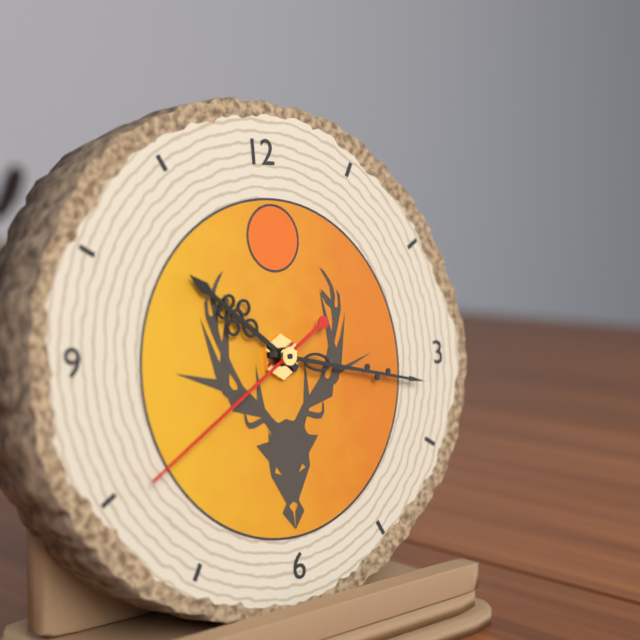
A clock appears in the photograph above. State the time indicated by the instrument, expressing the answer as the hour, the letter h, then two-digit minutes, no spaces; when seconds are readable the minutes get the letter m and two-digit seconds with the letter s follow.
10h17m40s
